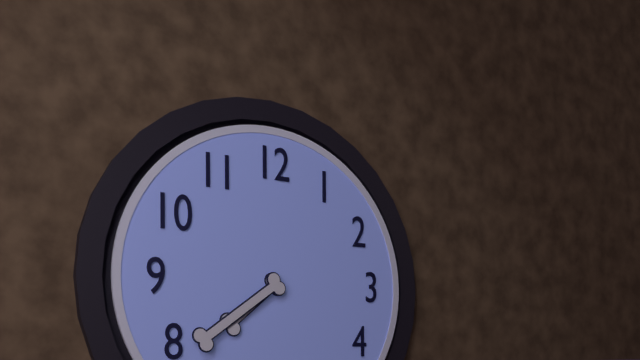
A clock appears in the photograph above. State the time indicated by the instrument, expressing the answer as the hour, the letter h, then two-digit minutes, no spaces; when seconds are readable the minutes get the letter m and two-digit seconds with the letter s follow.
7h39
